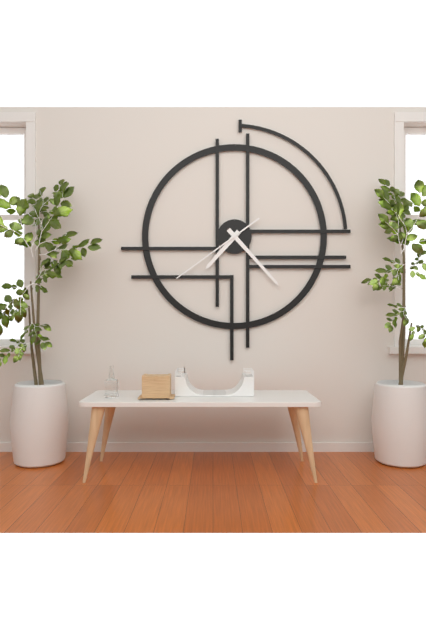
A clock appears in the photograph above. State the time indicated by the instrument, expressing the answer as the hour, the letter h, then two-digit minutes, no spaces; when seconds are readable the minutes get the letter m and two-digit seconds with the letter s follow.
7h23m39s
